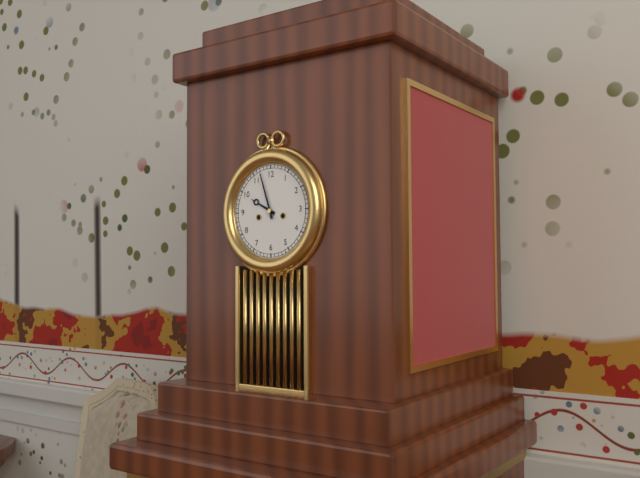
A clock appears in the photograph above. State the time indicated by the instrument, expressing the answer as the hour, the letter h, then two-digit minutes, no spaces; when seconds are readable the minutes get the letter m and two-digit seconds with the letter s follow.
9h57
